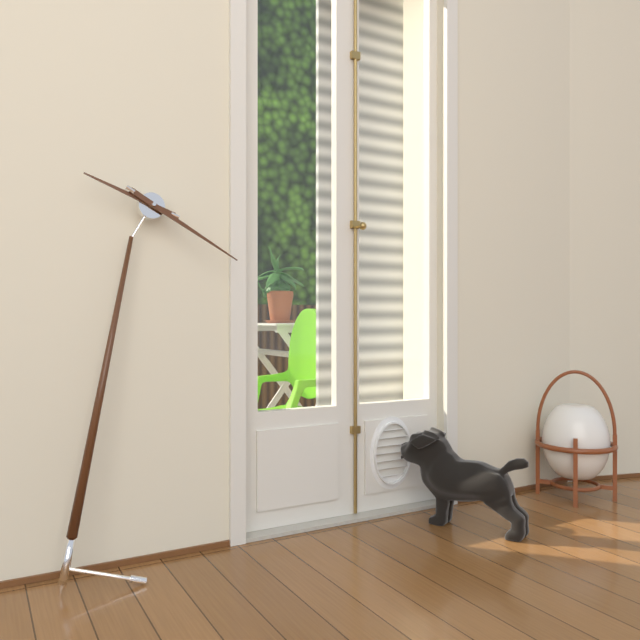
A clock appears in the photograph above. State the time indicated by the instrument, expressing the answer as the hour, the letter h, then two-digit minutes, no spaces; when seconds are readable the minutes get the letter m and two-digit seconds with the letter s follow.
9h18
